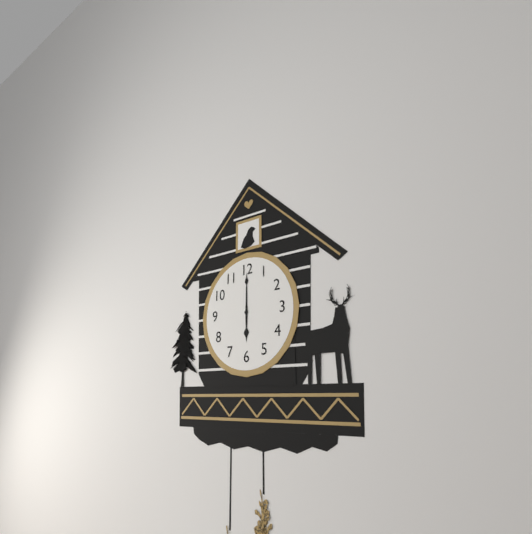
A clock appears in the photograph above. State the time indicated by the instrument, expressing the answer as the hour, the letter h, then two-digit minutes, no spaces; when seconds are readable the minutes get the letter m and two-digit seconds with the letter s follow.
6h00
